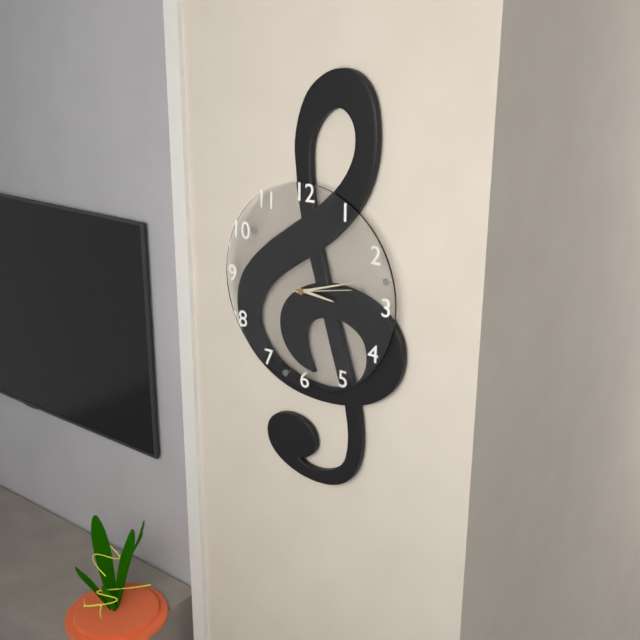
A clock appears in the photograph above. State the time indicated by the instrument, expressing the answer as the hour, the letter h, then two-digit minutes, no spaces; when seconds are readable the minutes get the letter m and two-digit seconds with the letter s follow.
3h12m13s
